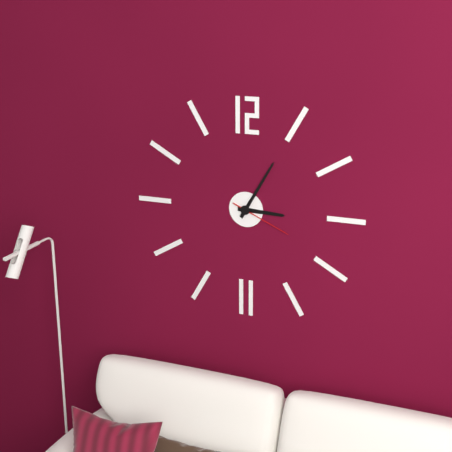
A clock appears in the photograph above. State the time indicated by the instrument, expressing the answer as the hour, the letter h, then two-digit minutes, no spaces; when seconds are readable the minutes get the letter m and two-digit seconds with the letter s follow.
3h05m19s
